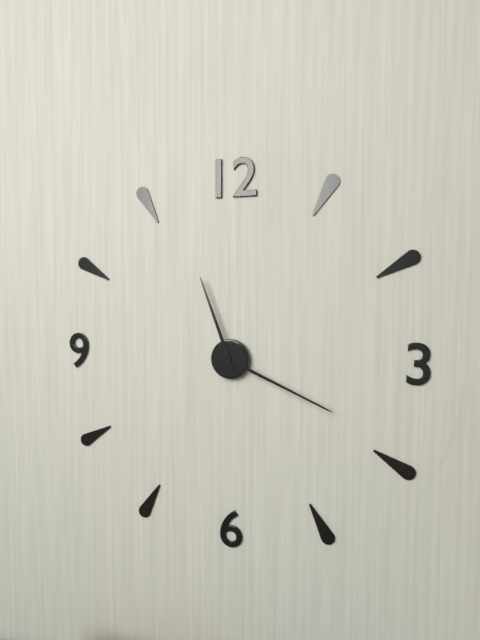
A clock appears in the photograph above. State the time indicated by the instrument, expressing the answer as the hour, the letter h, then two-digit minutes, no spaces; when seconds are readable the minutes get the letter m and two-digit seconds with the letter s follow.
11h19
